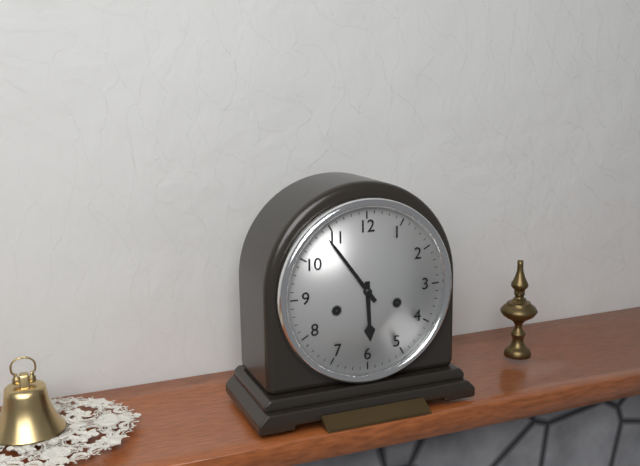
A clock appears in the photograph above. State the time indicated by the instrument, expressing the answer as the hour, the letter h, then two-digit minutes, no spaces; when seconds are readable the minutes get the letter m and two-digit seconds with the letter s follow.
5h54
